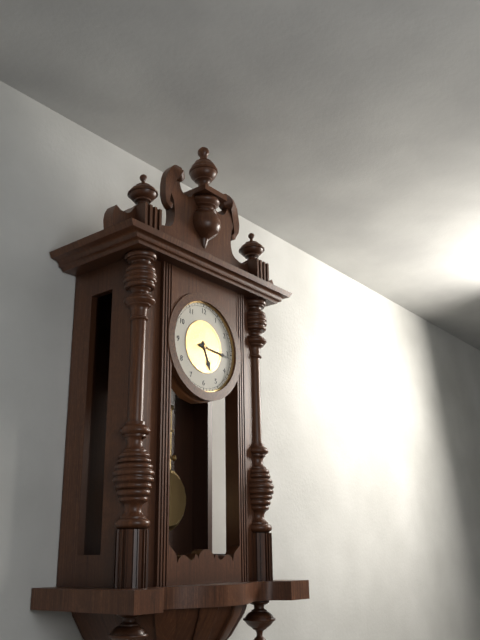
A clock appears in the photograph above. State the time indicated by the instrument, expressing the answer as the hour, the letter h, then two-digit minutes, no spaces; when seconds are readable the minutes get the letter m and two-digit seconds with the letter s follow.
5h16
